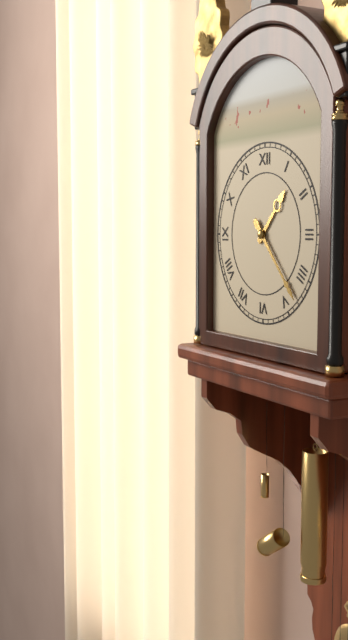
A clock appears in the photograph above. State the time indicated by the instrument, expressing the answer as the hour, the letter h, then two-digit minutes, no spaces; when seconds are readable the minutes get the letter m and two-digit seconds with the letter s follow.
1h23
